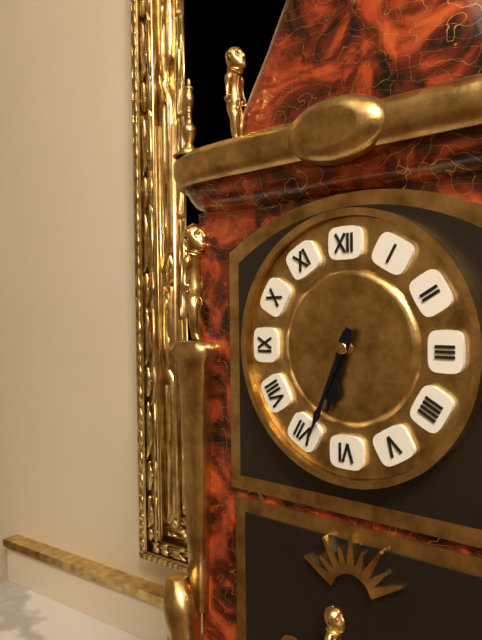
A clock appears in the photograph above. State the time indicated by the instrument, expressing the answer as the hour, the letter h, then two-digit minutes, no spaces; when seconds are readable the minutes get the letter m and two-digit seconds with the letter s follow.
6h34
